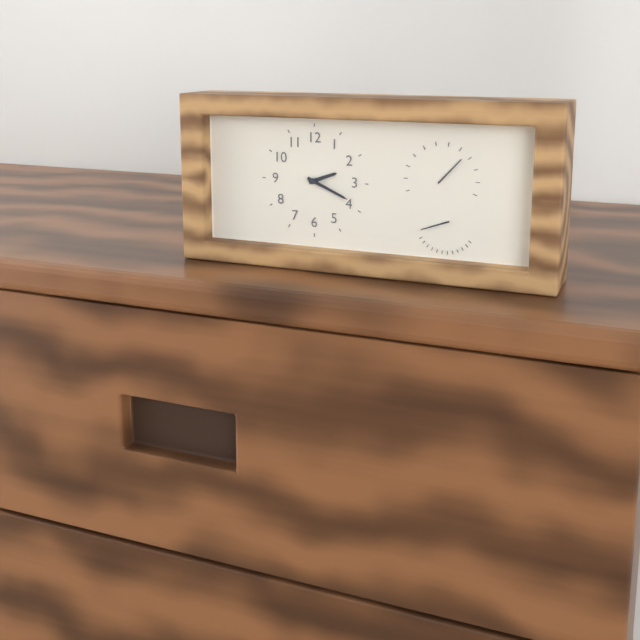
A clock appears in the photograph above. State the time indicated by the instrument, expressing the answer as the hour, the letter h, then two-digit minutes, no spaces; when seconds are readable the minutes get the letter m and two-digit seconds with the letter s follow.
2h19
